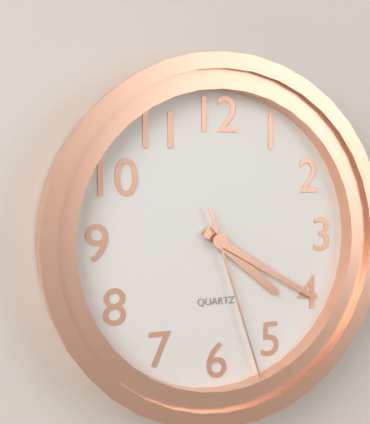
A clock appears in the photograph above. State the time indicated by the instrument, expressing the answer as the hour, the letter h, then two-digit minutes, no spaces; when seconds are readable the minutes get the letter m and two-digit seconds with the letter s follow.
4h20m27s
